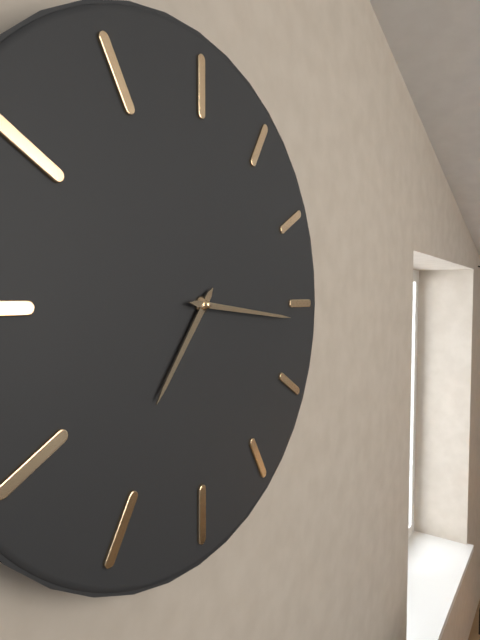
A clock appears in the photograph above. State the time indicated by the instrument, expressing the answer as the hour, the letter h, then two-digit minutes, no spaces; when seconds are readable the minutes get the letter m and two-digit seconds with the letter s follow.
7h16
